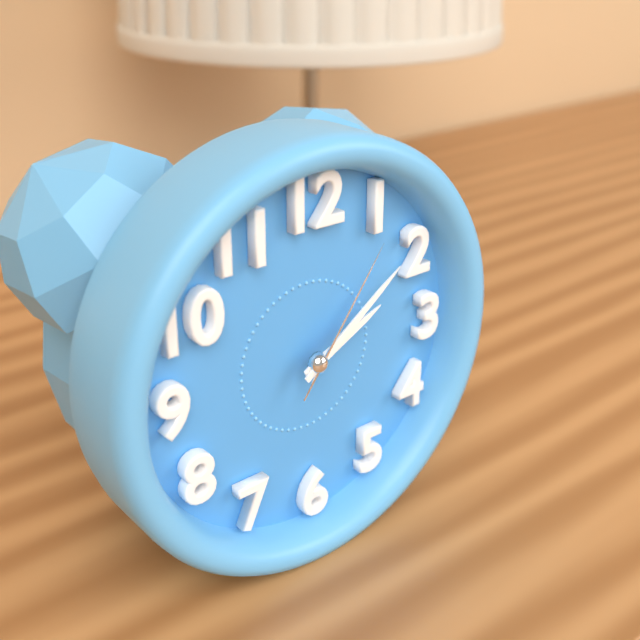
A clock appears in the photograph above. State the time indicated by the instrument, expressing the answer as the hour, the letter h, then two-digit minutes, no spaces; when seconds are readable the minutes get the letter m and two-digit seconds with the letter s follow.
2h09m06s
